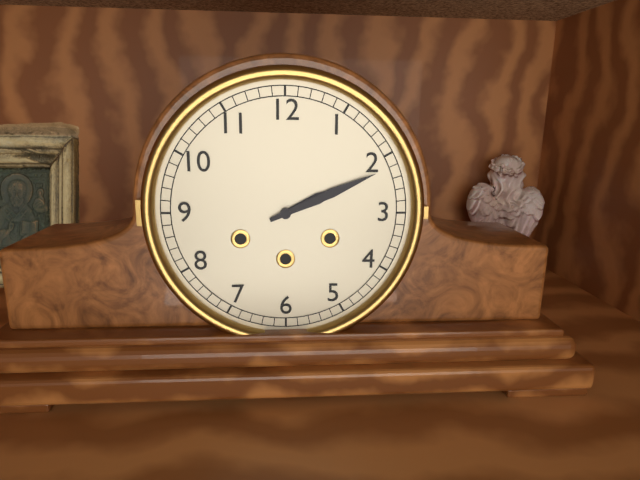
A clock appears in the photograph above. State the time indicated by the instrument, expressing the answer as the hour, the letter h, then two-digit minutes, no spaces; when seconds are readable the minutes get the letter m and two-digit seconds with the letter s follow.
2h11
